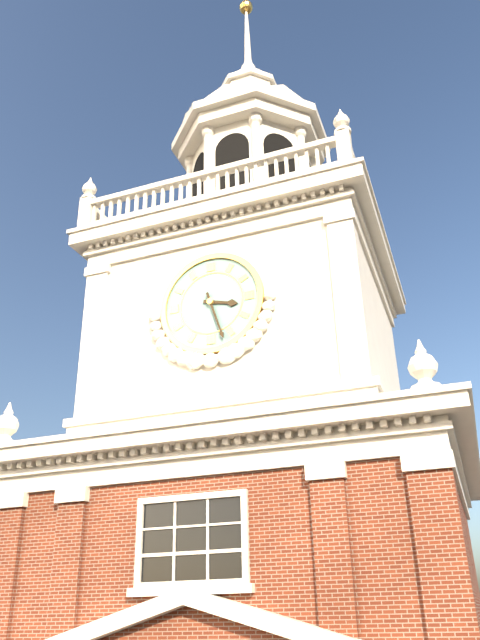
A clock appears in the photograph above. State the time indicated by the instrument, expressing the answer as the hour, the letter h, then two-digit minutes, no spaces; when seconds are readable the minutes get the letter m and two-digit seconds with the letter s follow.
3h27
